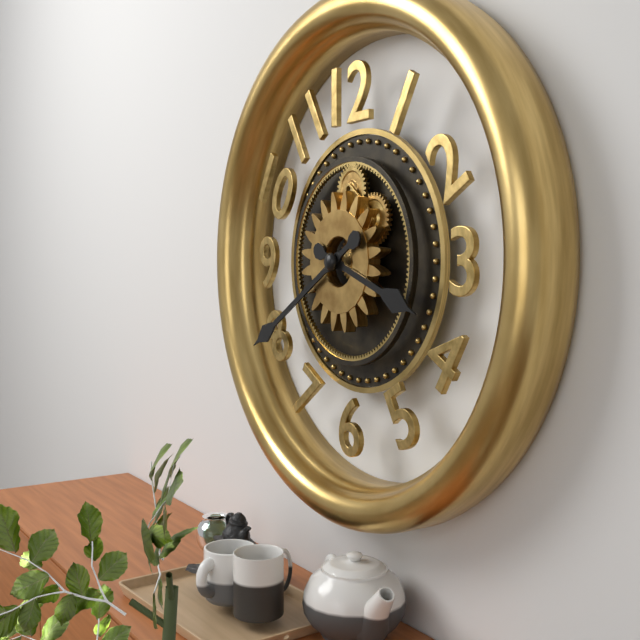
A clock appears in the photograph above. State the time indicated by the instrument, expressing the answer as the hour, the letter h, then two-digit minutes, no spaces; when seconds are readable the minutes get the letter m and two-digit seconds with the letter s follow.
3h40
